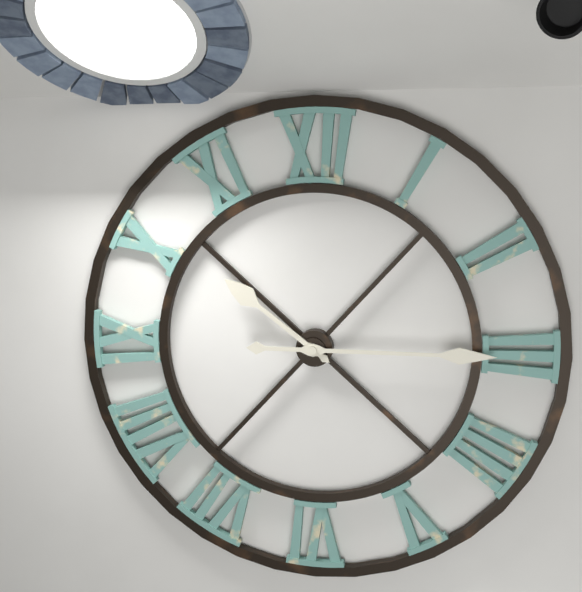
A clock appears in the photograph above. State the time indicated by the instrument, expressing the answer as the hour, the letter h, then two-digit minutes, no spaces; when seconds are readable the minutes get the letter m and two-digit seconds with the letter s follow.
10h15
